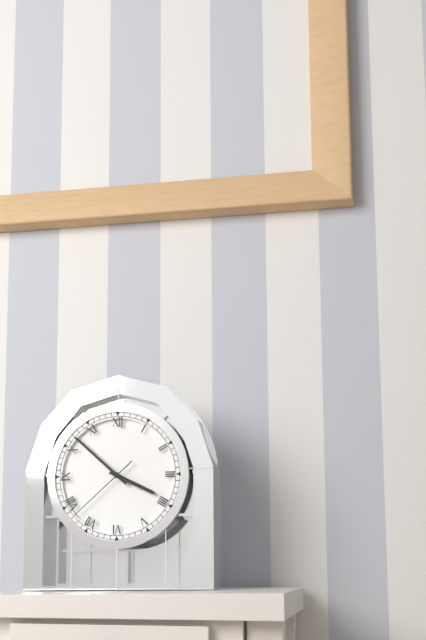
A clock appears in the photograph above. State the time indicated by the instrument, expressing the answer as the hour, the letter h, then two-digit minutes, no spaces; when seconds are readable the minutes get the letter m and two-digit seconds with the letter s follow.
3h52m38s
